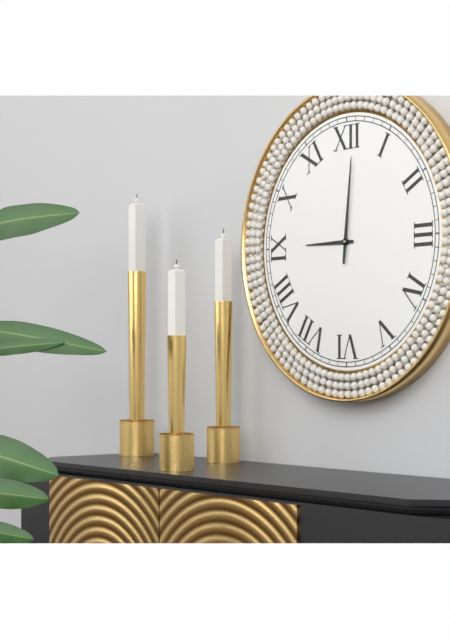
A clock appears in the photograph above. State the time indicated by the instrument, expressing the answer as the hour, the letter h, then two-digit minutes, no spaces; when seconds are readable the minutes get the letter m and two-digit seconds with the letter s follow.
9h01
